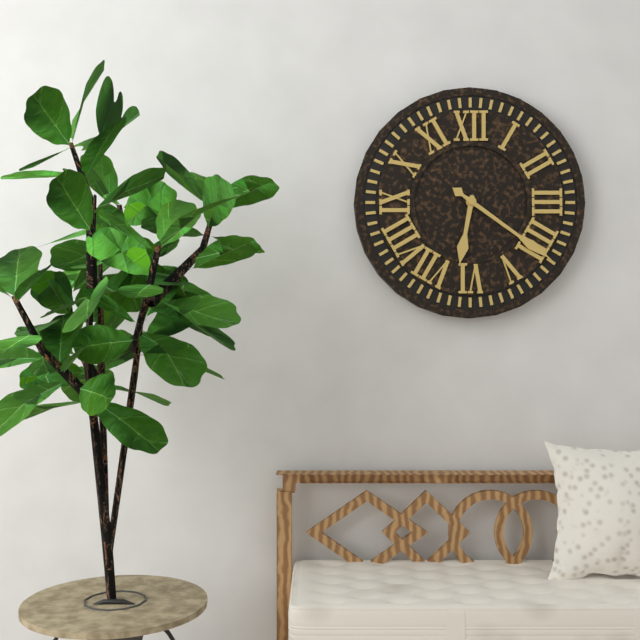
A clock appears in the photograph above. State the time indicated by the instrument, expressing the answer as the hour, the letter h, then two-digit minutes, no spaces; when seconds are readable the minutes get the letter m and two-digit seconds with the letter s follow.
6h21
